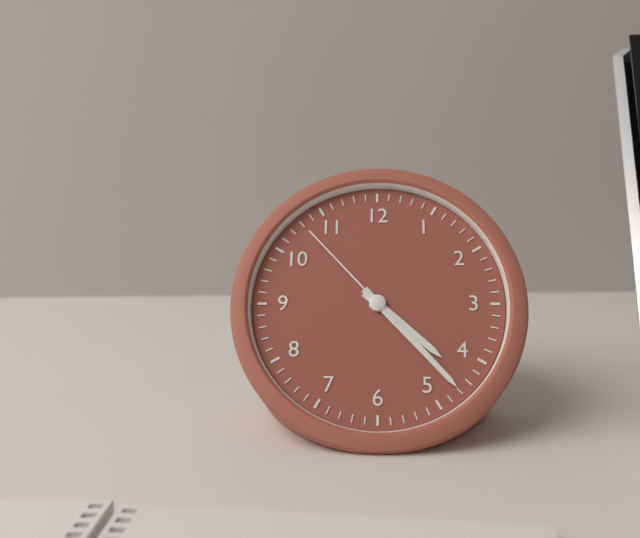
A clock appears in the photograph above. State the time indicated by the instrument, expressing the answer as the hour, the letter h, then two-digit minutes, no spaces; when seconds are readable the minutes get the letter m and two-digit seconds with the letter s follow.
4h23m53s
